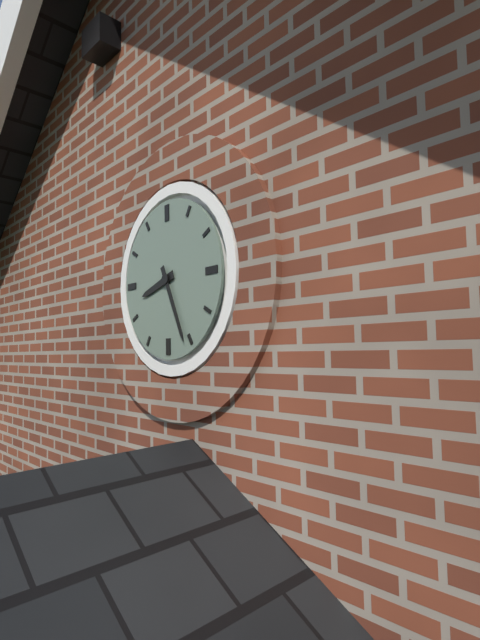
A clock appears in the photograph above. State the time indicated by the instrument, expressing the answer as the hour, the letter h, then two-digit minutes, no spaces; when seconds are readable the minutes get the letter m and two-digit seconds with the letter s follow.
8h26
